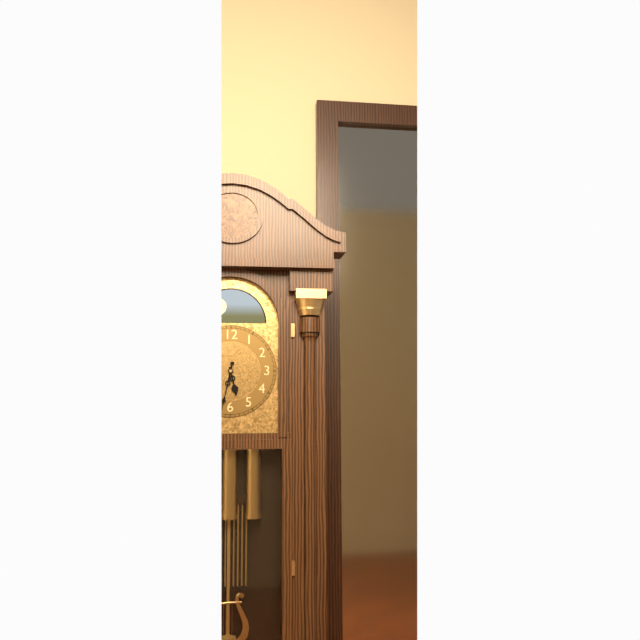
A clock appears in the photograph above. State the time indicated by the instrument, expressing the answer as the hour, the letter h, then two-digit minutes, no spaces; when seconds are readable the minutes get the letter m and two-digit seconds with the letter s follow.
5h32
